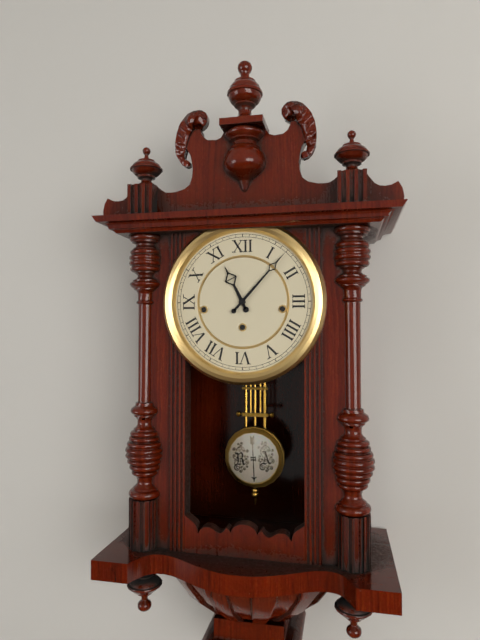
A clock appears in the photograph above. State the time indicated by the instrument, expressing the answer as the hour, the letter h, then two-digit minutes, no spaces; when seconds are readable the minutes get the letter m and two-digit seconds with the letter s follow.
11h07
